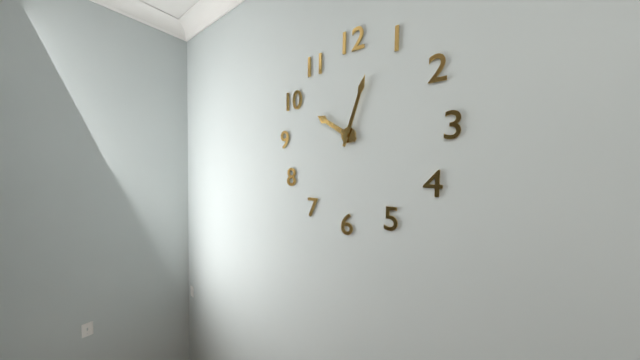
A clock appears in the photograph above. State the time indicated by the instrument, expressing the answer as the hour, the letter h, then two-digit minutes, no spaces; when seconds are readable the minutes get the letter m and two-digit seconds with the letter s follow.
10h03
